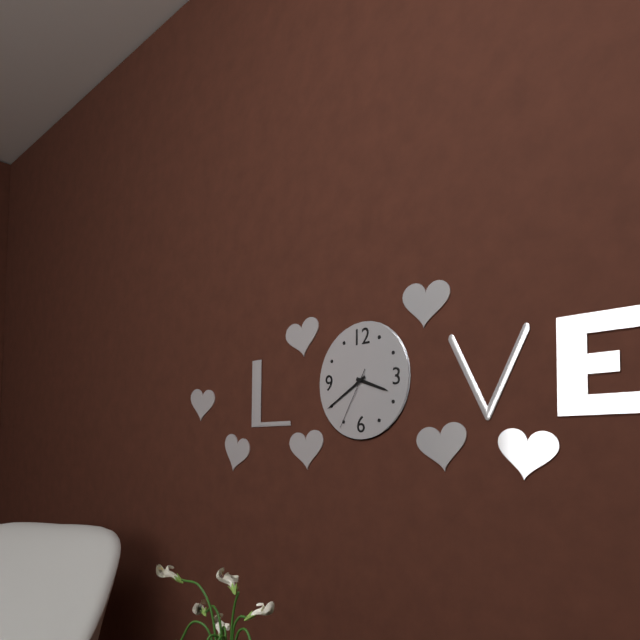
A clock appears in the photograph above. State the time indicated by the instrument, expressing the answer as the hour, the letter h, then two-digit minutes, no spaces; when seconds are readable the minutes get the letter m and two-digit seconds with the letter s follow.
3h40m35s
